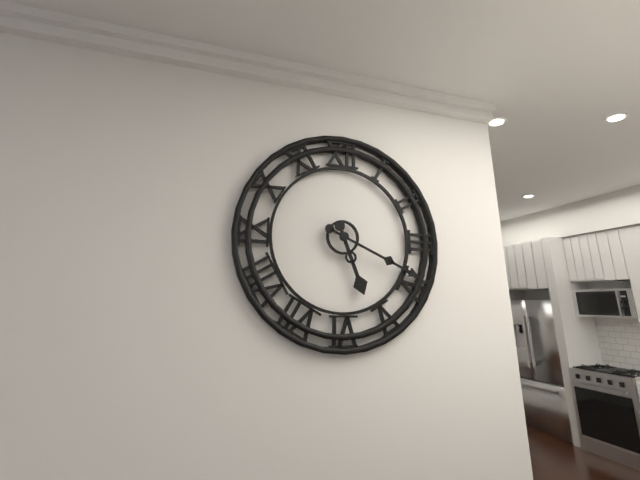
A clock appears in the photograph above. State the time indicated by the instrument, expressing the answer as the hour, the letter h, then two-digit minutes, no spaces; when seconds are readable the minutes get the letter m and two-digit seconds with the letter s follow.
5h19
